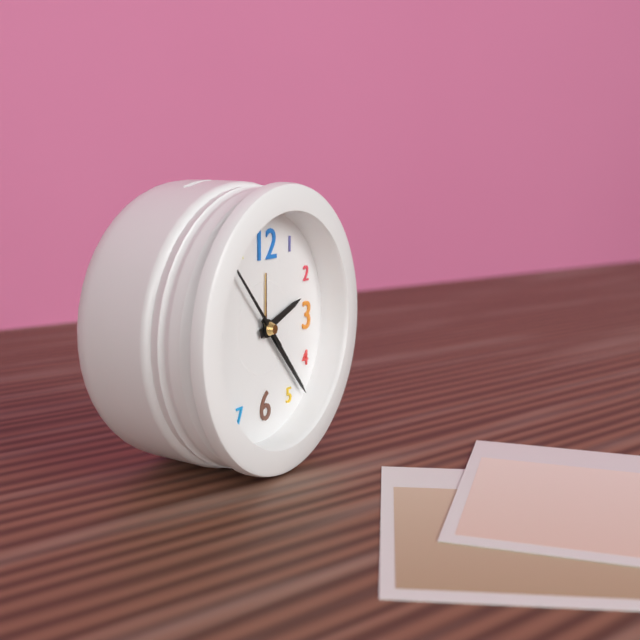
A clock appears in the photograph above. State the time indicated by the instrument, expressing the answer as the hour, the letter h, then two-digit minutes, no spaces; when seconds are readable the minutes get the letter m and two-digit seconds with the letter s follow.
2h23m53s
